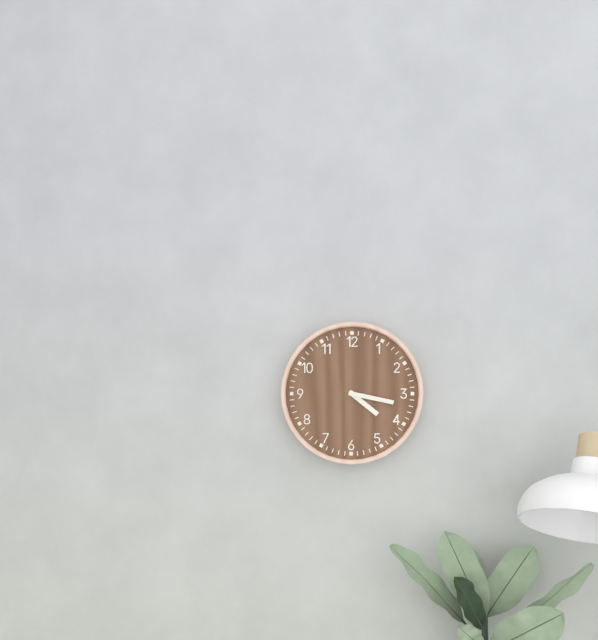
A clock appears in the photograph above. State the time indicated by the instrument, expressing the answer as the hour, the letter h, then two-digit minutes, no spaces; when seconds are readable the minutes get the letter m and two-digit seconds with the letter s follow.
4h17
